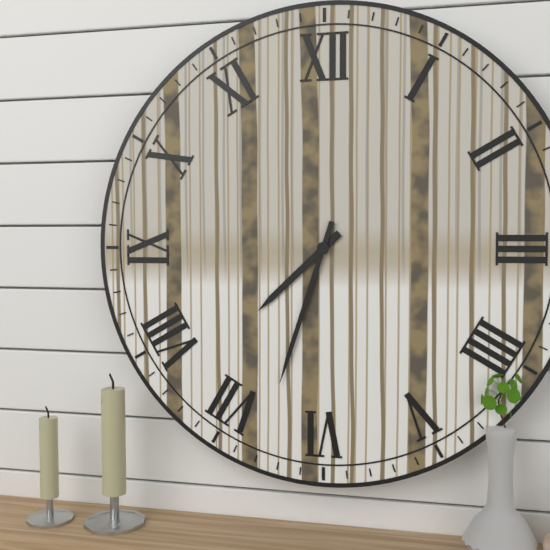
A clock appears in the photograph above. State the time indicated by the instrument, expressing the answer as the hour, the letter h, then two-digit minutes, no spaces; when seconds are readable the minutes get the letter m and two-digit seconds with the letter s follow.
7h33
